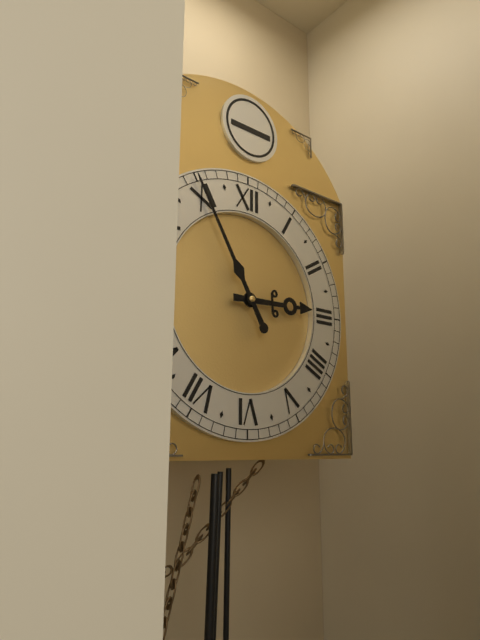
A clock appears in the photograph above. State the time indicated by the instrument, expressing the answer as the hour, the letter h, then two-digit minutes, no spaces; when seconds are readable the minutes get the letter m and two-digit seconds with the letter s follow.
2h55
